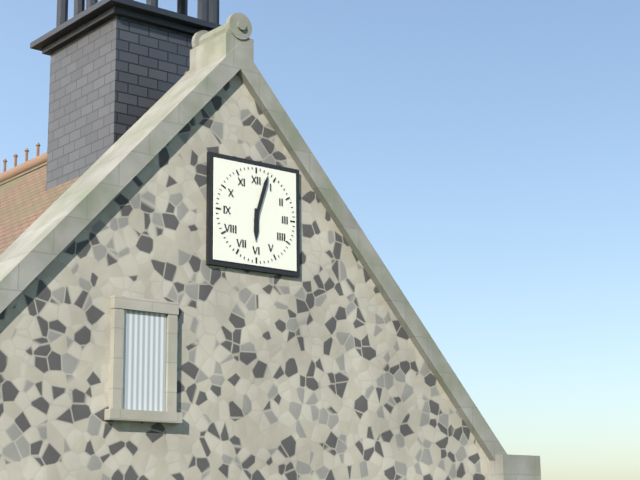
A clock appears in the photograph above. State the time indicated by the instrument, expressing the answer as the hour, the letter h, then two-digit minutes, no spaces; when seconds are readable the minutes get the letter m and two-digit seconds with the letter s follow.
6h03
